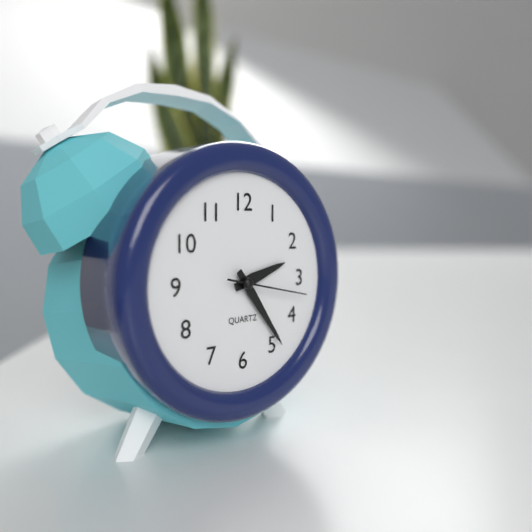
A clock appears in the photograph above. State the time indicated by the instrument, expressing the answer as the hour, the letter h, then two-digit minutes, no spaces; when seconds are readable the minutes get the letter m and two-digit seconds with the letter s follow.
2h24m17s
